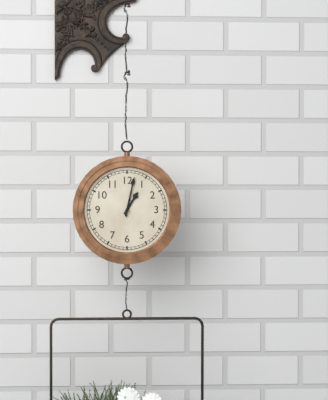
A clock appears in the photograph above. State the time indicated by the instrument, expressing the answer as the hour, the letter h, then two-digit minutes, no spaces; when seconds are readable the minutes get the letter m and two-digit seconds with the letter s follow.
1h02
